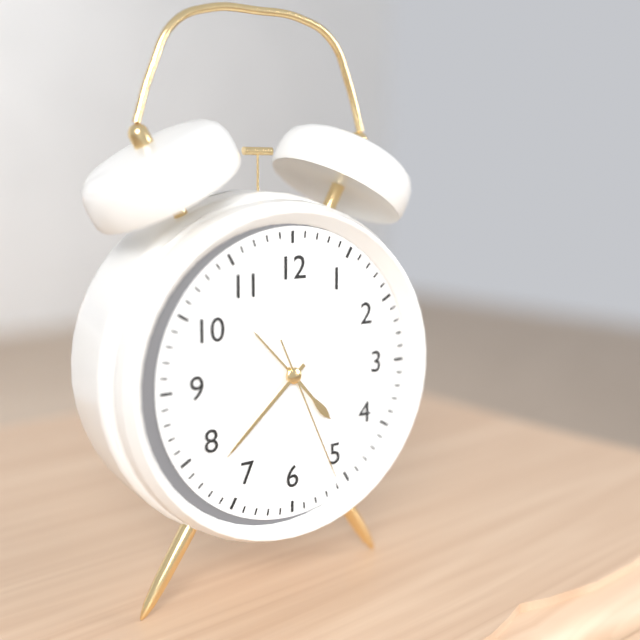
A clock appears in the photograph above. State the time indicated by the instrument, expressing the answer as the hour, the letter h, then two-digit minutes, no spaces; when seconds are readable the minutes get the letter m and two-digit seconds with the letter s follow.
4h38m26s
